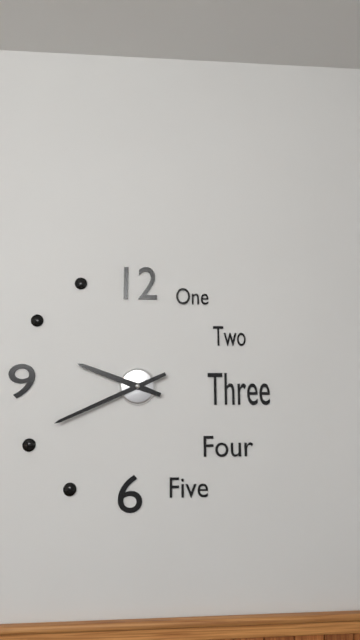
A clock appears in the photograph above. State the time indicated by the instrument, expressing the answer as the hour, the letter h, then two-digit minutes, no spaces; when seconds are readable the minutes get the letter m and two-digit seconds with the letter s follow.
9h41
